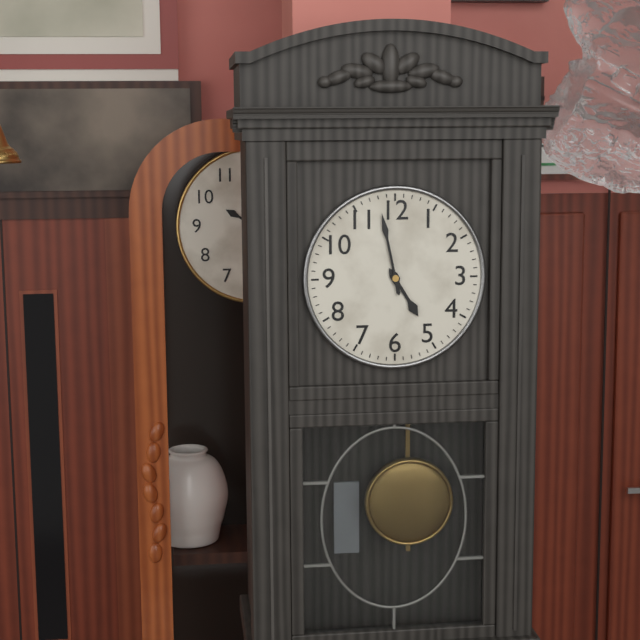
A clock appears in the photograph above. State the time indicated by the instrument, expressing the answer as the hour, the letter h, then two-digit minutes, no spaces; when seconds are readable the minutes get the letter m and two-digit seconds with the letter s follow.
4h58
